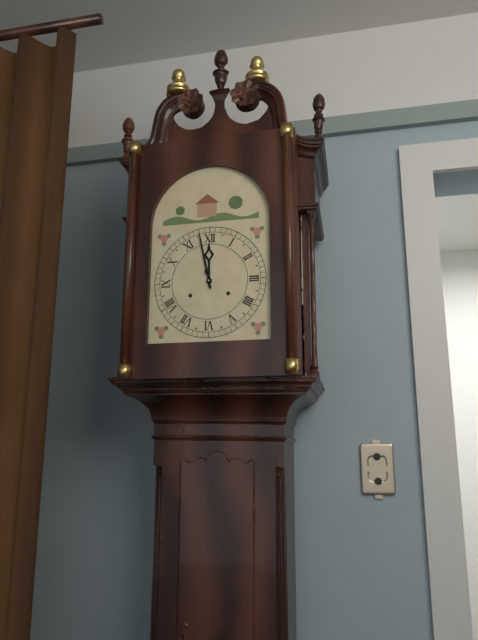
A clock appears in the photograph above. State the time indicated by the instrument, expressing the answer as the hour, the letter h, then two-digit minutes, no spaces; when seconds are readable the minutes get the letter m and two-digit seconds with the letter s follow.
11h58
